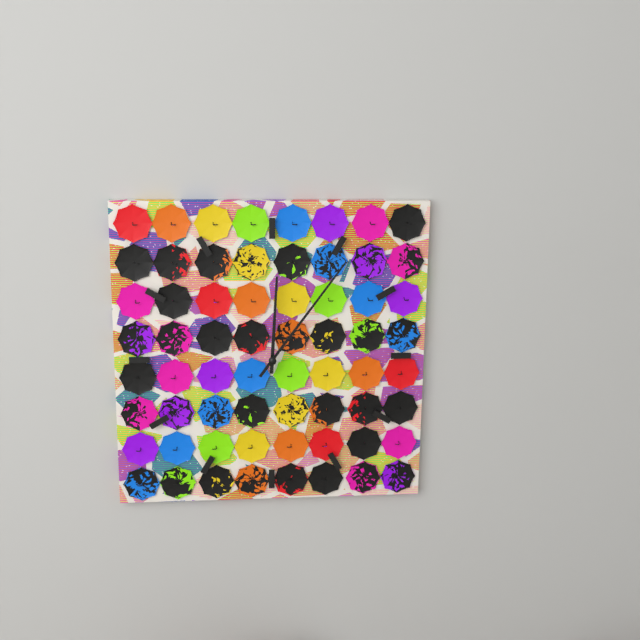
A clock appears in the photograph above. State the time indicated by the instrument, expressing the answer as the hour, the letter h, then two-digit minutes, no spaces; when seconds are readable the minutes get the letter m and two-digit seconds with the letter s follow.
12h06
